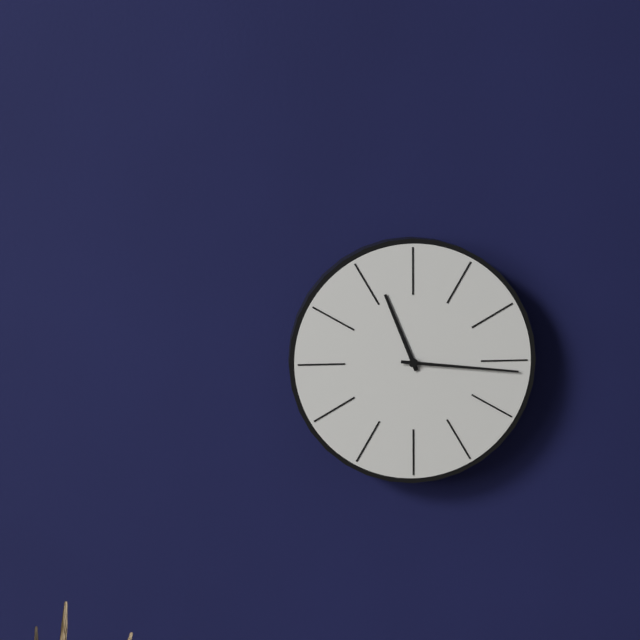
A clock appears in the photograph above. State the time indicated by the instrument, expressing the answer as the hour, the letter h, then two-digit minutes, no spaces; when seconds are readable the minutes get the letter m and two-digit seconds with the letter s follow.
11h16
